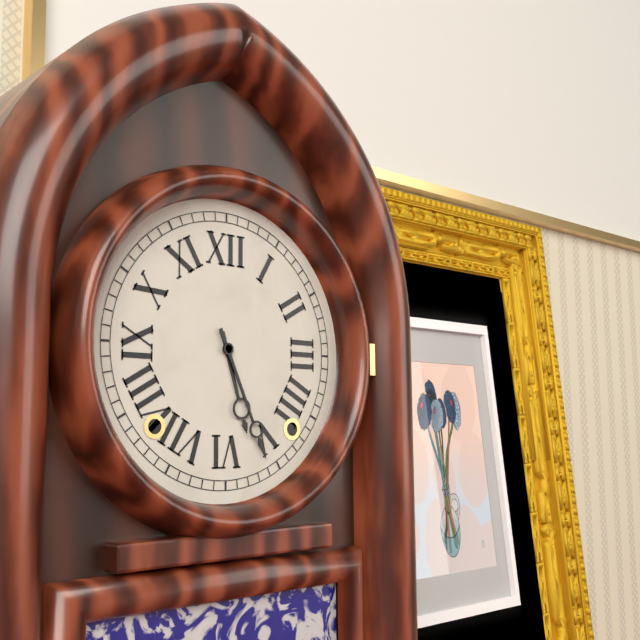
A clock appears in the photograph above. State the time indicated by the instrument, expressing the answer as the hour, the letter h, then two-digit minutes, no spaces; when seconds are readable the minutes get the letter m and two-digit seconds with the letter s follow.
5h26
